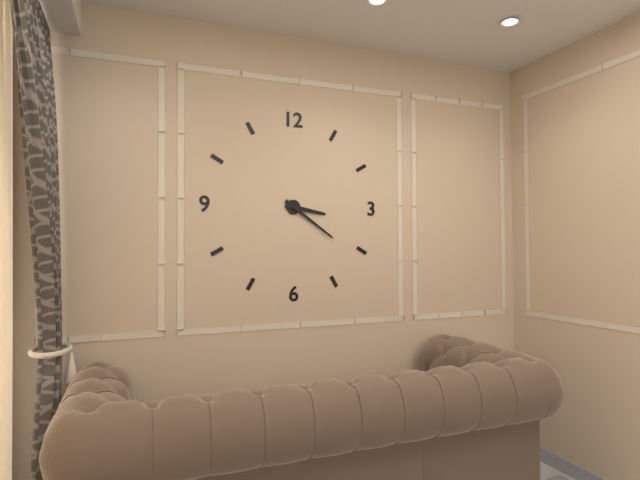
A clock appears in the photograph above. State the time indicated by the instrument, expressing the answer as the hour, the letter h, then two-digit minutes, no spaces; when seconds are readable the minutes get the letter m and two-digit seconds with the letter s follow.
3h21
